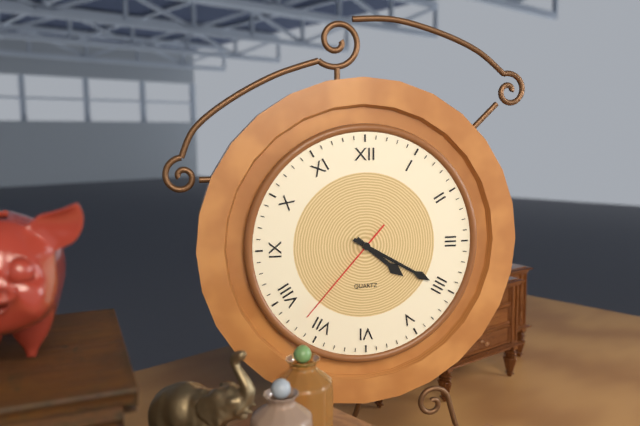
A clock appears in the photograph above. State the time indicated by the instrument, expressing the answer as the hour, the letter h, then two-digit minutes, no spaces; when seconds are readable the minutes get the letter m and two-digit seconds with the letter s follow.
4h20m37s
